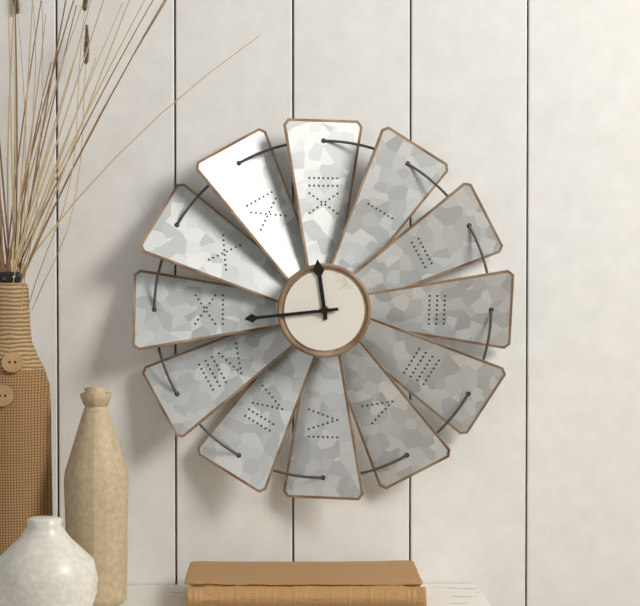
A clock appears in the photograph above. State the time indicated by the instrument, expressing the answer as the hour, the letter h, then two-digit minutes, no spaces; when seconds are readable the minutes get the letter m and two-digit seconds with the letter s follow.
11h44
